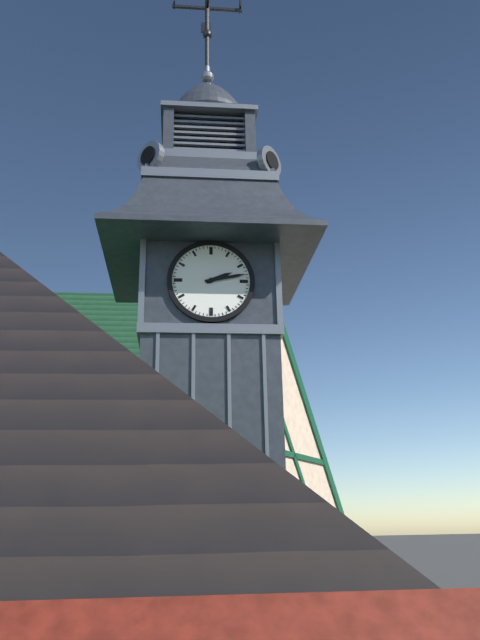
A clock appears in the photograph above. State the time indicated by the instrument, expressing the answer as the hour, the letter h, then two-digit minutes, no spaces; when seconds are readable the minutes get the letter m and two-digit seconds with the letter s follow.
2h13
